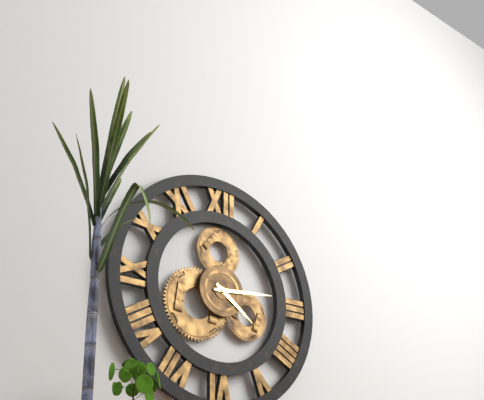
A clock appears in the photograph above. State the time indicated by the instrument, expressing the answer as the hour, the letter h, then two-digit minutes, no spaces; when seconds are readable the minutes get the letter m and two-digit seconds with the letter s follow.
4h14
